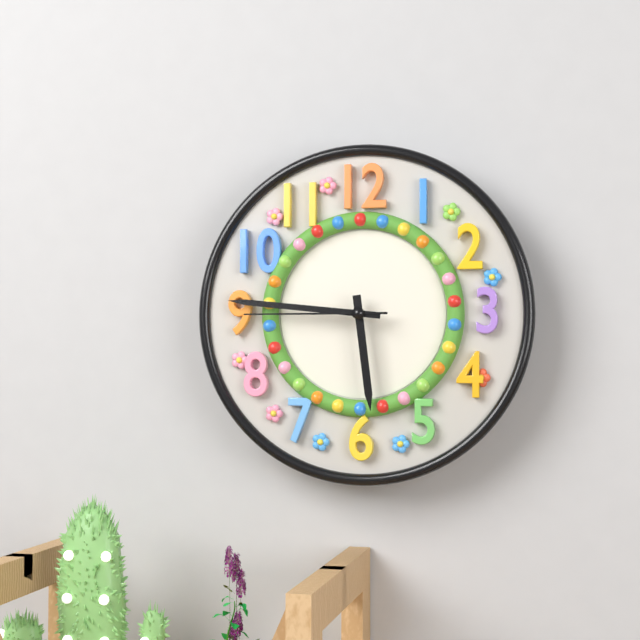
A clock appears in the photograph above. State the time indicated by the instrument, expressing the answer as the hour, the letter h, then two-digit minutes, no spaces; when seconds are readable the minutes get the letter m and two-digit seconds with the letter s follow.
5h46m45s
